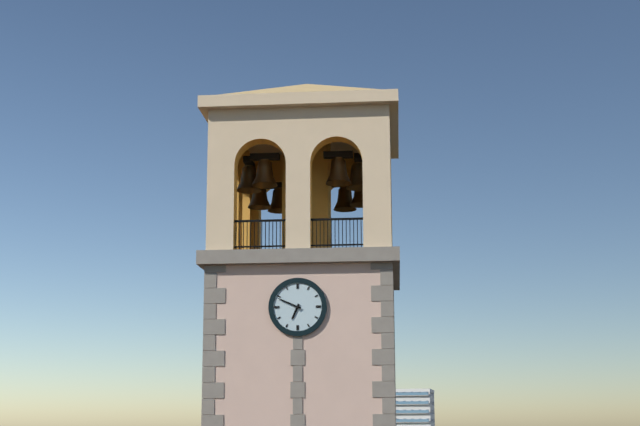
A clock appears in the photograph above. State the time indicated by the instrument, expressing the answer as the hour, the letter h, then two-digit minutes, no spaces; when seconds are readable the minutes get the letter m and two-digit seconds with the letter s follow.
6h49
